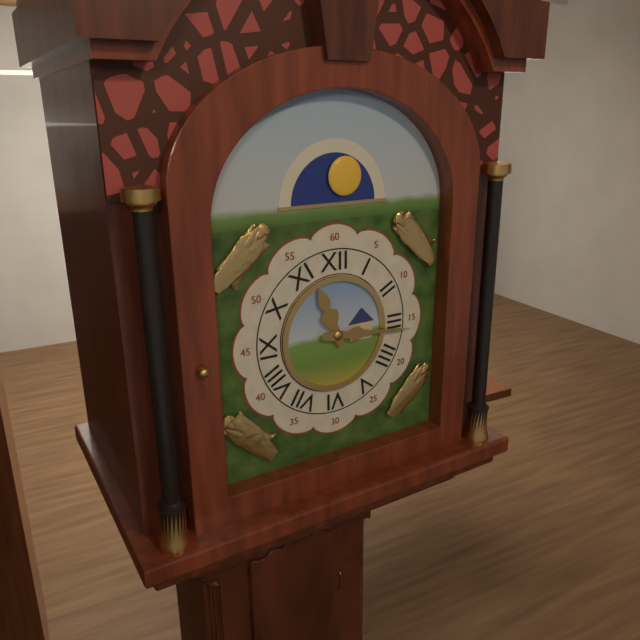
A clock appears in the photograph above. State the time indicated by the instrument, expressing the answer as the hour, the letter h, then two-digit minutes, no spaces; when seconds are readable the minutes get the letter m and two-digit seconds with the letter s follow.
11h16
